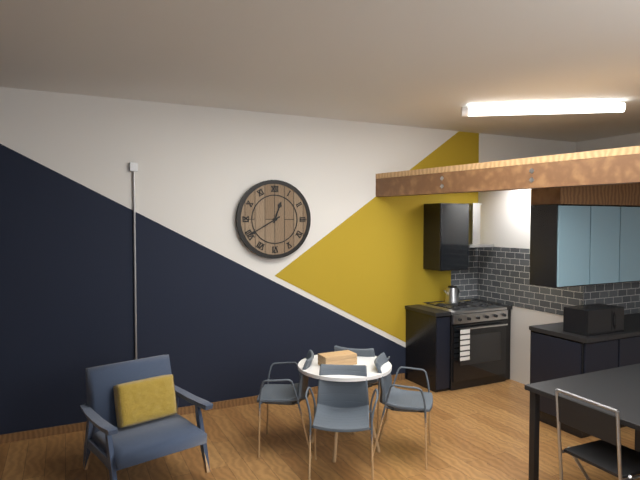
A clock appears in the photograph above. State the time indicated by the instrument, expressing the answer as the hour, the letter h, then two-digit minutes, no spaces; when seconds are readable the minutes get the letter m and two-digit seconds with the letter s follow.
12h40
